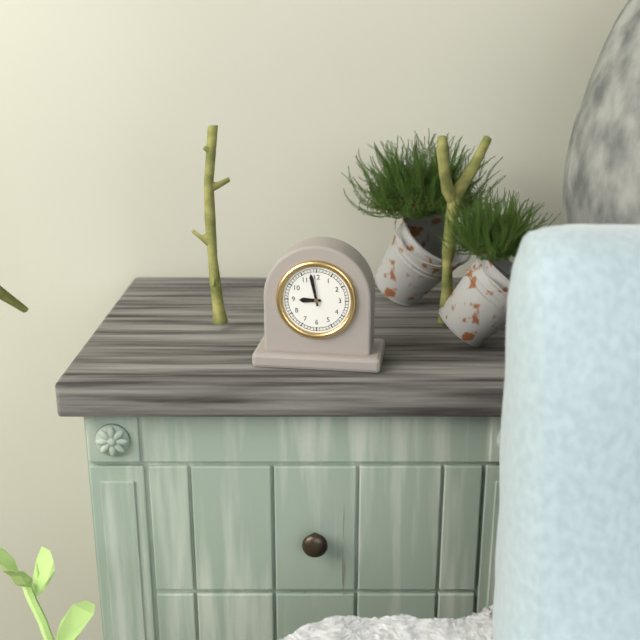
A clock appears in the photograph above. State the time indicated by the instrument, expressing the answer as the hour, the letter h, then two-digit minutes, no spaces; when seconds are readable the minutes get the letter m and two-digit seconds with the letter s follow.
8h58
